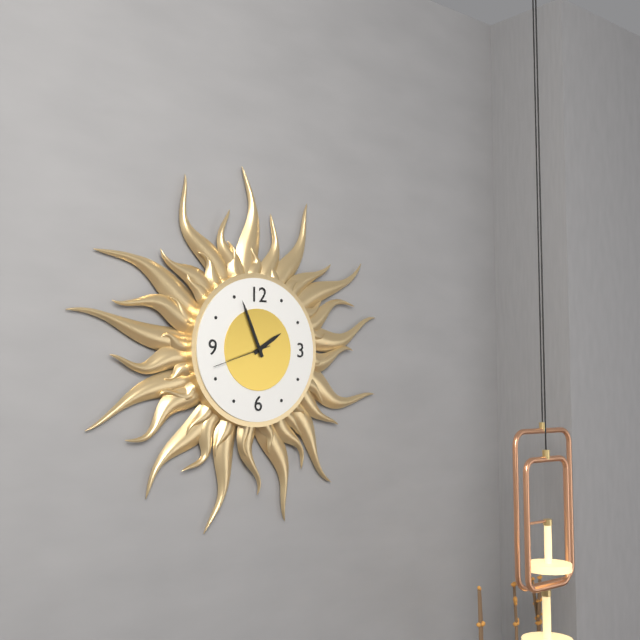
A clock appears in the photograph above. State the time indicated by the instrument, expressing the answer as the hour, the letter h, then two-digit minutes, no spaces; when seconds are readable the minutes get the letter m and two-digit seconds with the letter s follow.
1h56m42s
